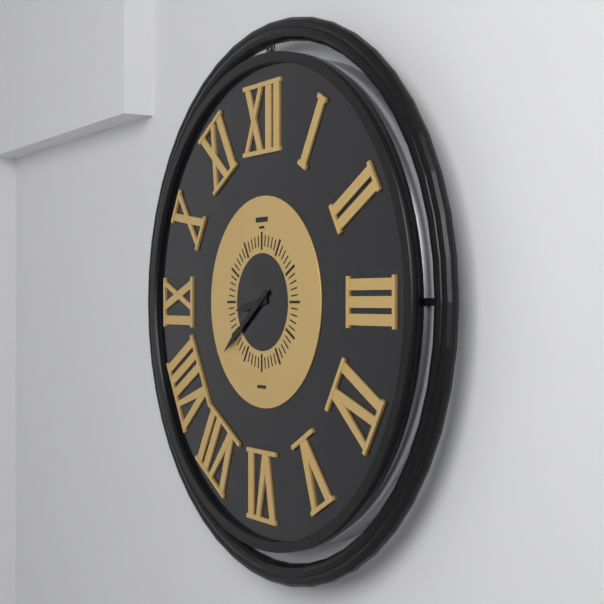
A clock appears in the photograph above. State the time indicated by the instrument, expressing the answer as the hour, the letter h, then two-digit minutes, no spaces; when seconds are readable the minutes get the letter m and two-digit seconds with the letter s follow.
8h39
